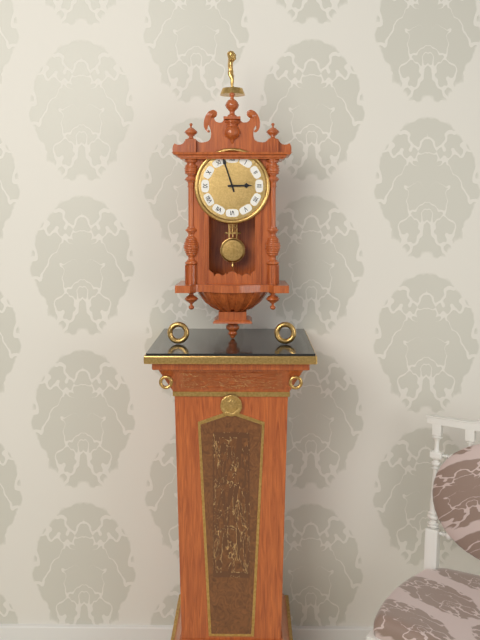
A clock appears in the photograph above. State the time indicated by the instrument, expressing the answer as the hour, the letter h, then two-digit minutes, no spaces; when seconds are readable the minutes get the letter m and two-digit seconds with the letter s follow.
2h57
